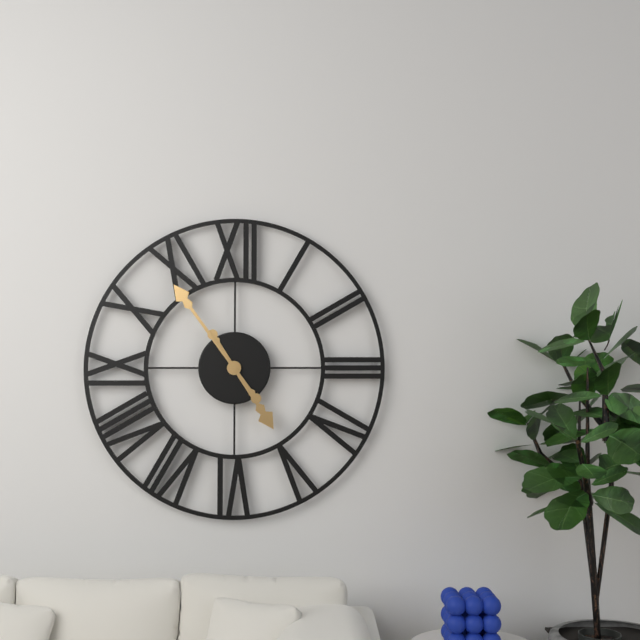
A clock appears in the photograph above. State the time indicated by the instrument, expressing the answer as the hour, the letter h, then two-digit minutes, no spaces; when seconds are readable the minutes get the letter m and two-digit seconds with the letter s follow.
4h54
